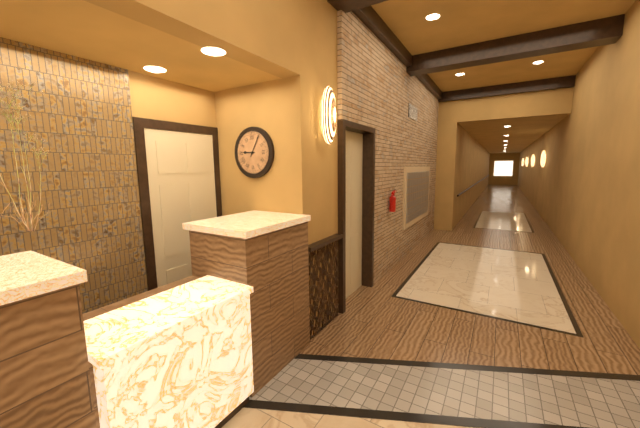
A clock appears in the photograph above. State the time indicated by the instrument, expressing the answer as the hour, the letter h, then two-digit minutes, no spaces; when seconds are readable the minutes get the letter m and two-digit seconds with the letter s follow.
9h05
